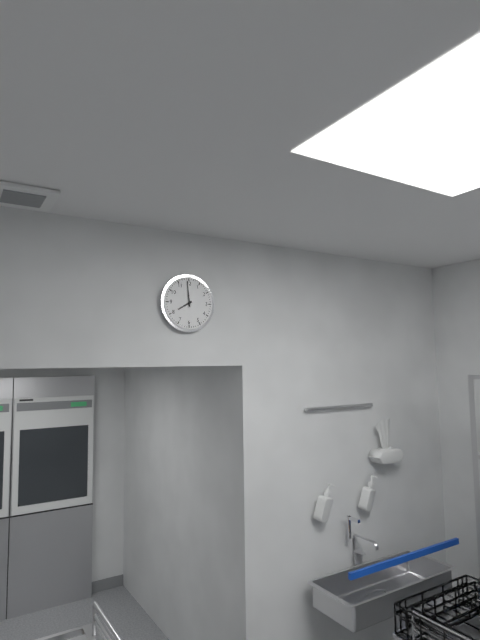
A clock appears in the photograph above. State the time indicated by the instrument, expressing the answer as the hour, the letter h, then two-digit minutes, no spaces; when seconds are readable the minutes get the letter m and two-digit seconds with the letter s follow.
7h59
